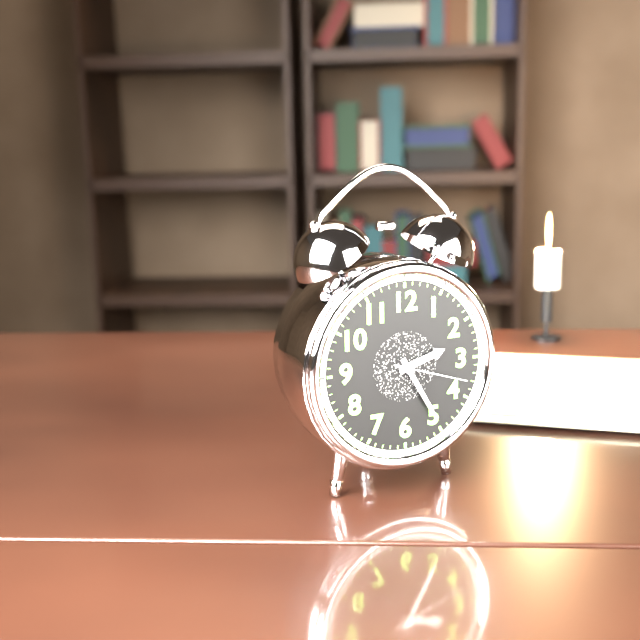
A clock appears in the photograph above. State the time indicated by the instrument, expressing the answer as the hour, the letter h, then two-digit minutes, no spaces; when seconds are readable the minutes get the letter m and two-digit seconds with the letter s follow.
2h25m18s
